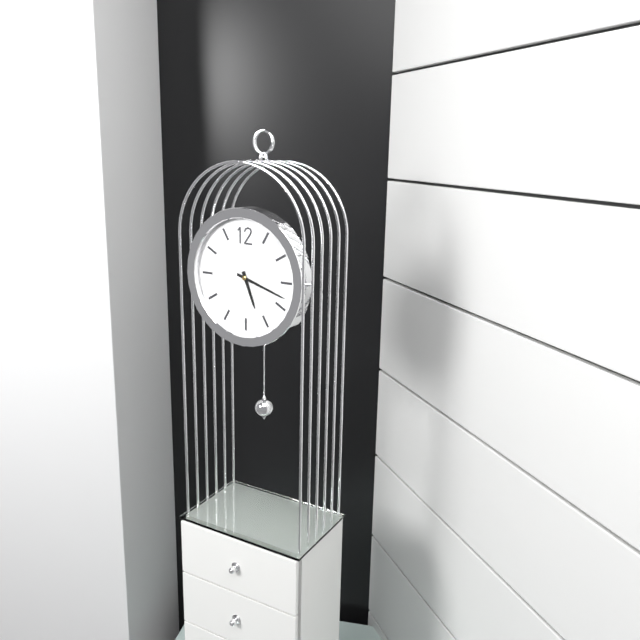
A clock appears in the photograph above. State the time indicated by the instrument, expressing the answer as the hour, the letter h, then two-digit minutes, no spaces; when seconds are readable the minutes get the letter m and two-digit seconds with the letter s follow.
5h18
